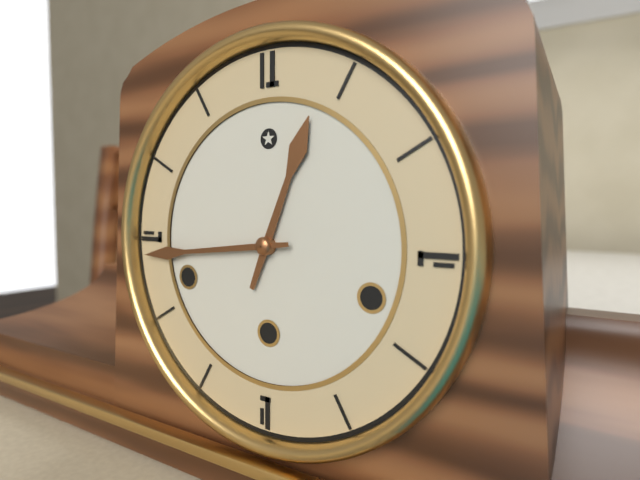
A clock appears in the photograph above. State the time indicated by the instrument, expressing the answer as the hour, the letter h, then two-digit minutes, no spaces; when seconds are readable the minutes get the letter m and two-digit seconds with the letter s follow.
12h44
